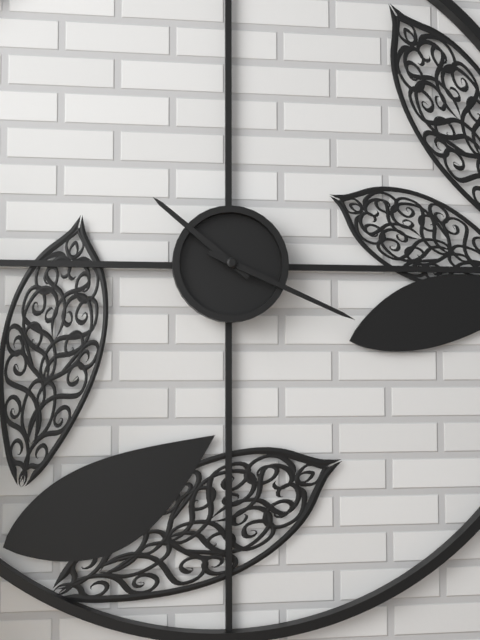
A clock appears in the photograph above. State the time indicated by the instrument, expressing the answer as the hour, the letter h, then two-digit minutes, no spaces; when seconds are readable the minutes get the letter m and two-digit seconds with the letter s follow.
10h19
